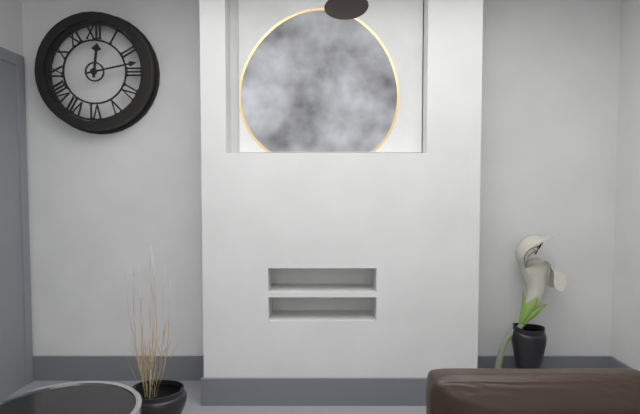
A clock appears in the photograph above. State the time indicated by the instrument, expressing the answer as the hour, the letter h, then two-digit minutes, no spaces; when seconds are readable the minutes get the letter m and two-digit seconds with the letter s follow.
12h13
